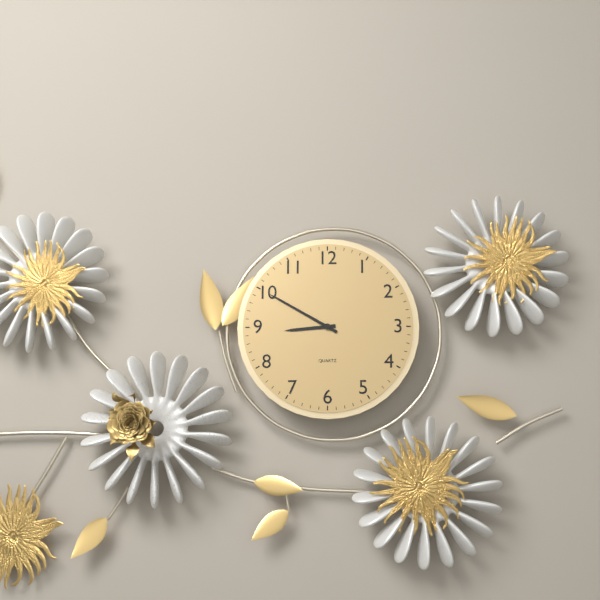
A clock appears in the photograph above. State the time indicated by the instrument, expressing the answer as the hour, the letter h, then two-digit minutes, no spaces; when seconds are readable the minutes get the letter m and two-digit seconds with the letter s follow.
8h50
